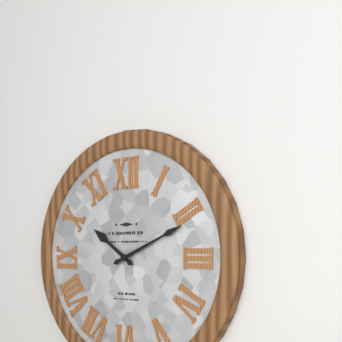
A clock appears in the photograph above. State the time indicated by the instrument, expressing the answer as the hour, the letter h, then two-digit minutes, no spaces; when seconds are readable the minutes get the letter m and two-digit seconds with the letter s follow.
10h11
